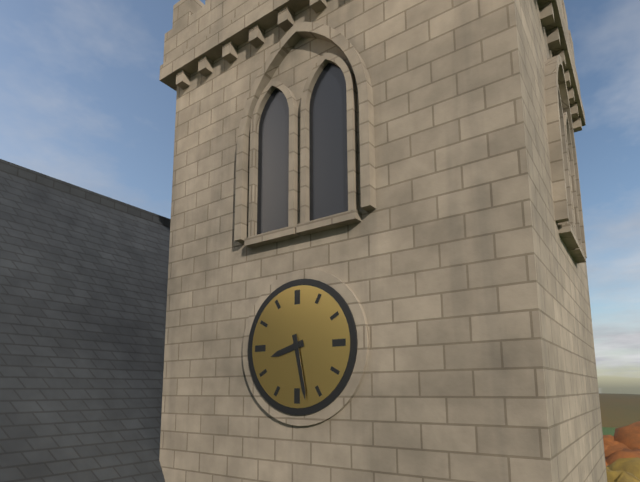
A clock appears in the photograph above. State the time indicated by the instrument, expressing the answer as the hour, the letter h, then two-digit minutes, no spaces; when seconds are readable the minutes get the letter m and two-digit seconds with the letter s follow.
8h28
